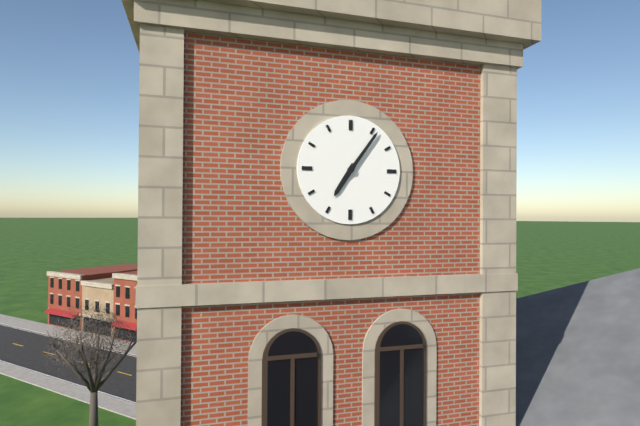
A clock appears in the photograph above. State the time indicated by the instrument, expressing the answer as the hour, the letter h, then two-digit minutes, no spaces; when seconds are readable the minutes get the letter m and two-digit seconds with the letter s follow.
7h06
